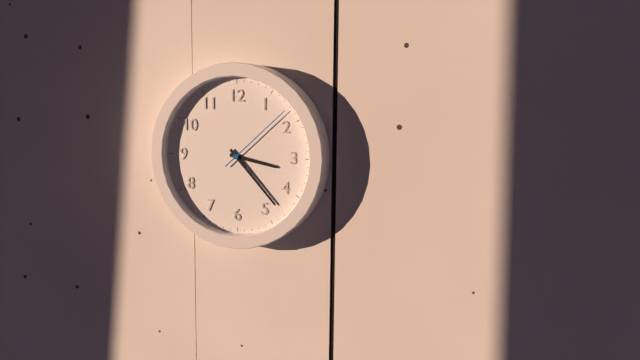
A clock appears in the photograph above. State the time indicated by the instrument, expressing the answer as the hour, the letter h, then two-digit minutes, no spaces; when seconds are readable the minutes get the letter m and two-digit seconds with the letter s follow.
3h23m08s
